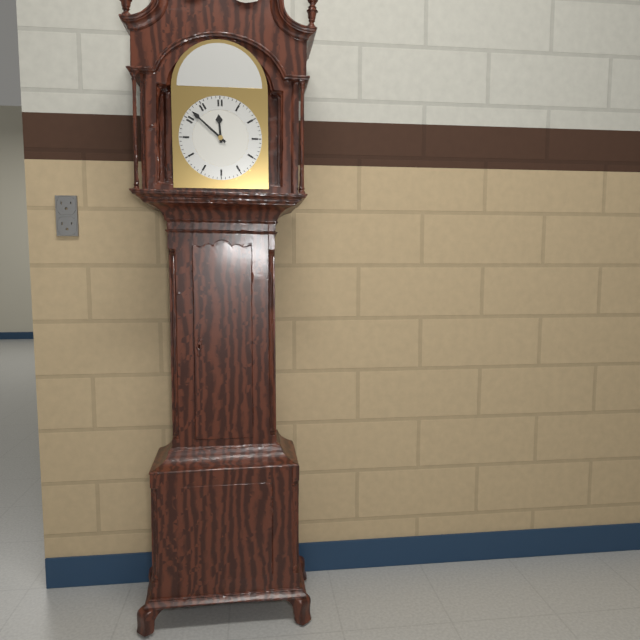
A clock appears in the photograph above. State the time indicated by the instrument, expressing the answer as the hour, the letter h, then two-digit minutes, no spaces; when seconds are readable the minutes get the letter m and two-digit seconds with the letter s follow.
11h52
